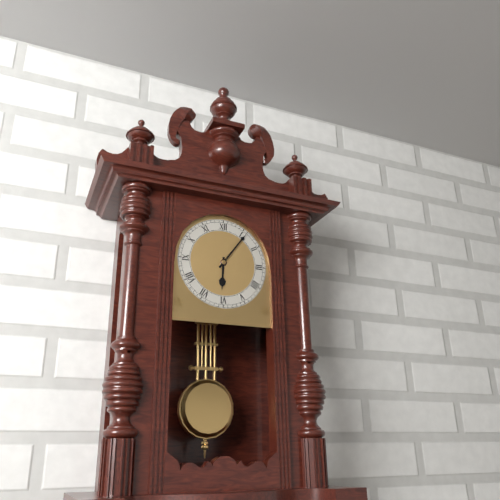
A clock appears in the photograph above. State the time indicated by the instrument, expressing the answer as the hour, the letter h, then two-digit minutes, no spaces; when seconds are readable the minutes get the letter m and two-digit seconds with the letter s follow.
6h06
